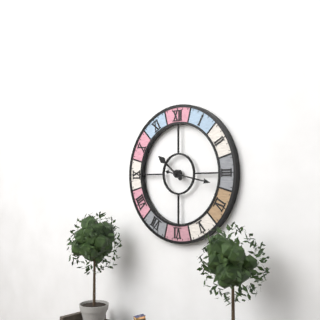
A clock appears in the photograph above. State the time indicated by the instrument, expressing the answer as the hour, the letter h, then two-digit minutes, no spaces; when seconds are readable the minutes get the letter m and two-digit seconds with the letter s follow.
10h17
